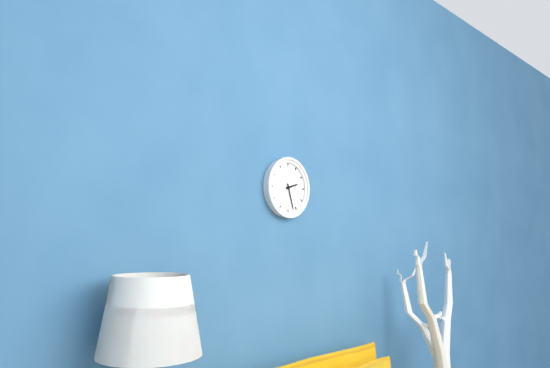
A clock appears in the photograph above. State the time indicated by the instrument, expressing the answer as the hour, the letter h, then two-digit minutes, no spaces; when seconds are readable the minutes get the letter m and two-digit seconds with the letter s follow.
2h27
